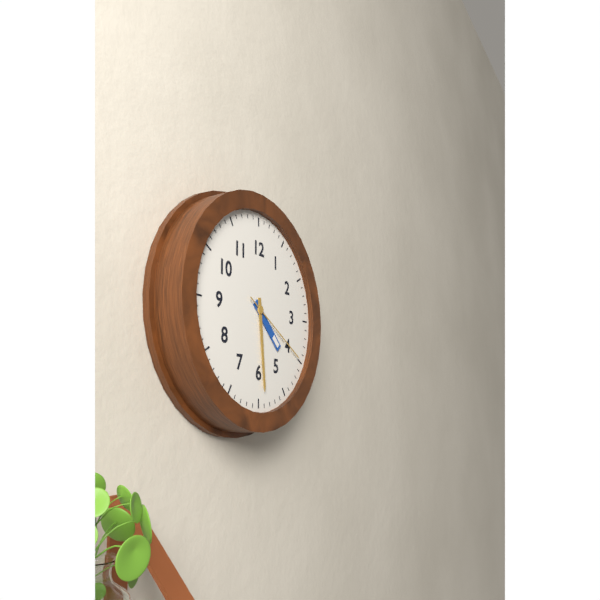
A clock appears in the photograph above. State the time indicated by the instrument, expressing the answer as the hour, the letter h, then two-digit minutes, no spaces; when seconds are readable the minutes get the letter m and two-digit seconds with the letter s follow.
4h29m20s
